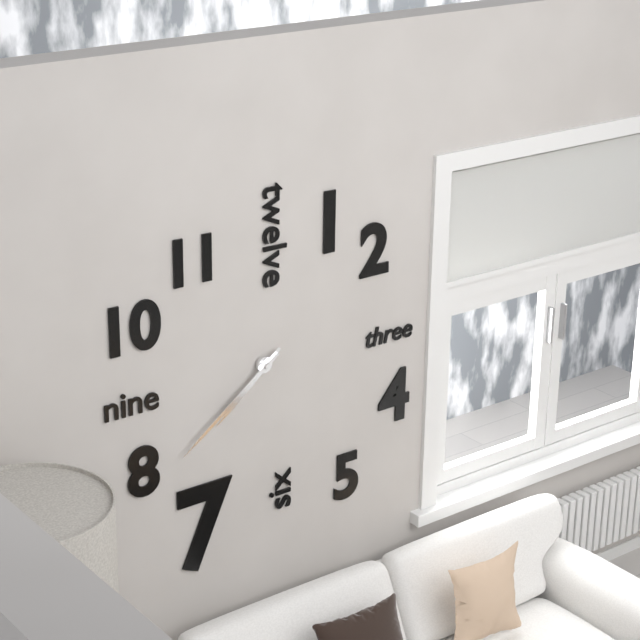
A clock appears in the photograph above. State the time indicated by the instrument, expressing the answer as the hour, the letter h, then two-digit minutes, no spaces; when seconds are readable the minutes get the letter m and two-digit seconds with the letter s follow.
7h39
